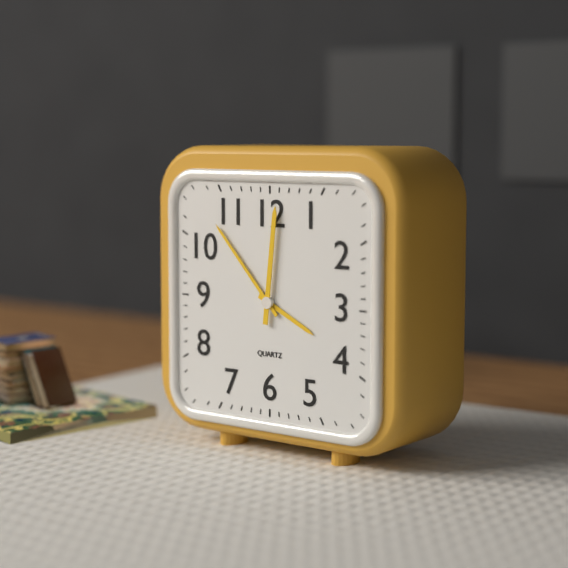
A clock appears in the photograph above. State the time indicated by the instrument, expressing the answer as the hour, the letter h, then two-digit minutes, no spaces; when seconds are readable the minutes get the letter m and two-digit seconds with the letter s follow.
3h53m01s
